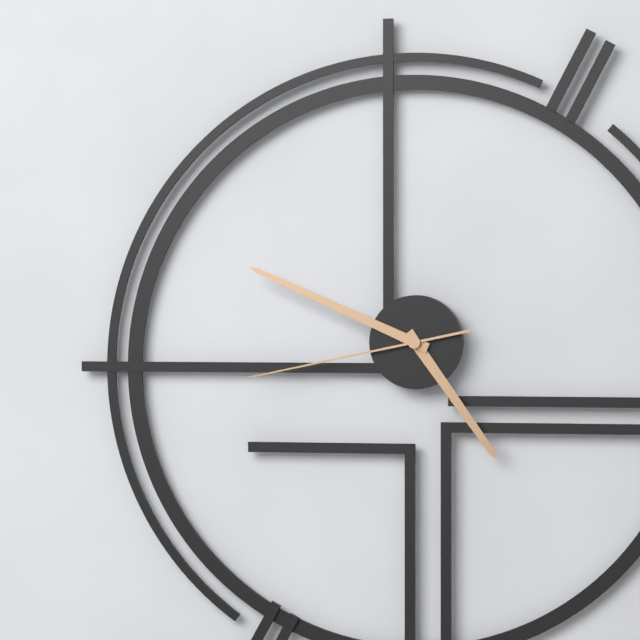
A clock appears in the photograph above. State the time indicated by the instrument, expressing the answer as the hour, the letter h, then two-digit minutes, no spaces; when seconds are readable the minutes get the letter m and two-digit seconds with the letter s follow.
4h49m43s
